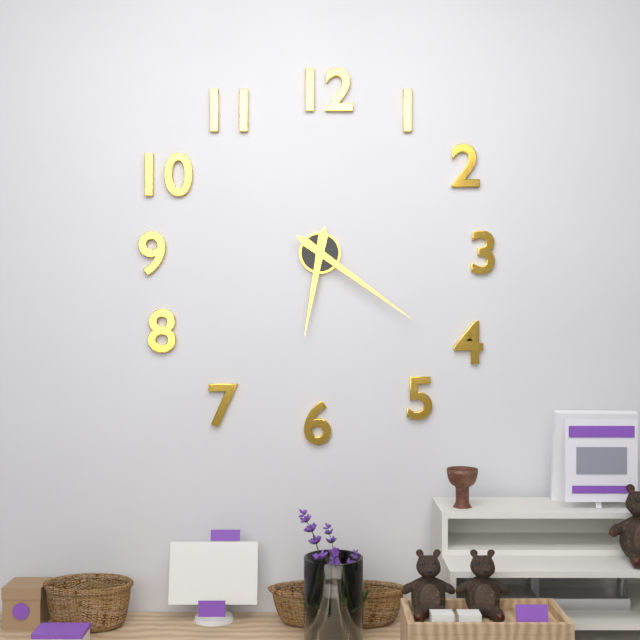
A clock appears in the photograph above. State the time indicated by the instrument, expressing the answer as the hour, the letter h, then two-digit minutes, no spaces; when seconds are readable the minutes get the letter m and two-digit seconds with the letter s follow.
6h21
